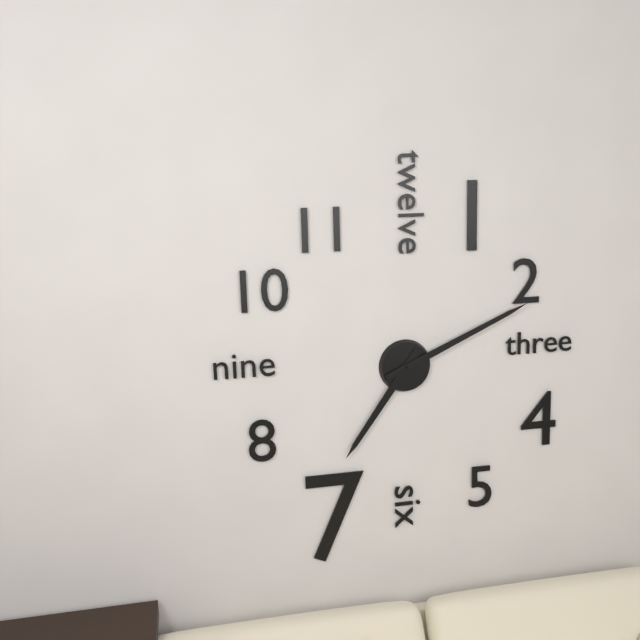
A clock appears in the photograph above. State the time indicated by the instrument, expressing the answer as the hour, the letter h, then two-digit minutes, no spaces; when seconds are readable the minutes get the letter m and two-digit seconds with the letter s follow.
7h11
